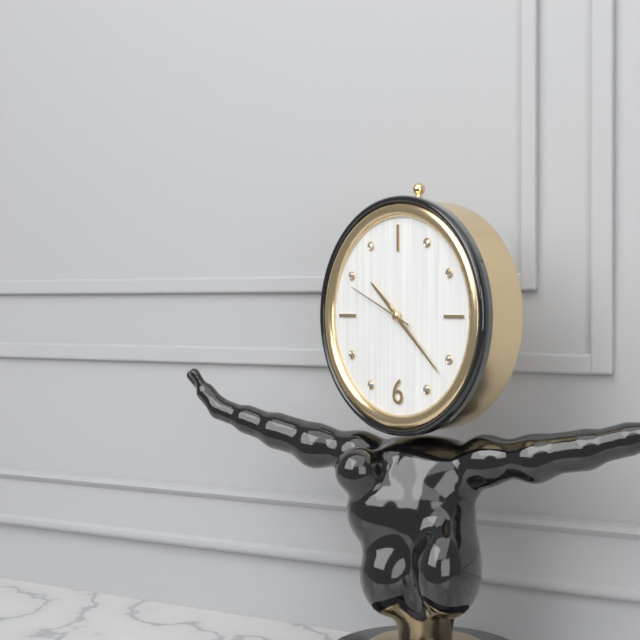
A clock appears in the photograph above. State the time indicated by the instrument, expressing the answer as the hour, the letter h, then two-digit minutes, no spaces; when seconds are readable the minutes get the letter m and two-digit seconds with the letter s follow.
10h22m49s
